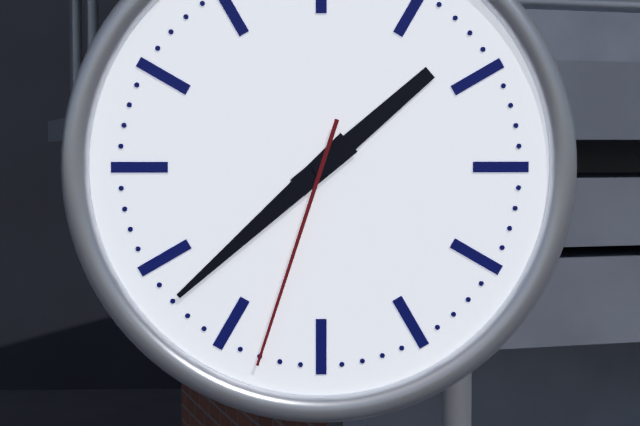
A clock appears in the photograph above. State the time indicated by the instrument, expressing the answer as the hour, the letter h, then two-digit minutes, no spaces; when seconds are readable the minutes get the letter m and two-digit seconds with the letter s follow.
1h38m33s
